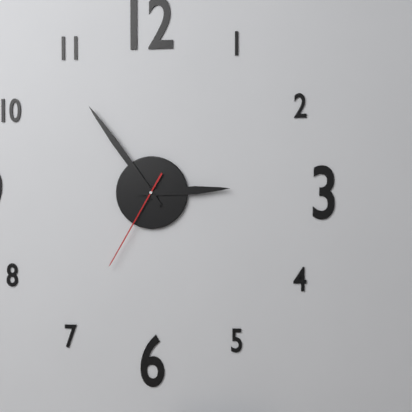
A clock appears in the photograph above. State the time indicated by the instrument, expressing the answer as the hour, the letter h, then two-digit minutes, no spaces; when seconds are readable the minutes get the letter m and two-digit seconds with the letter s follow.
2h54m35s
